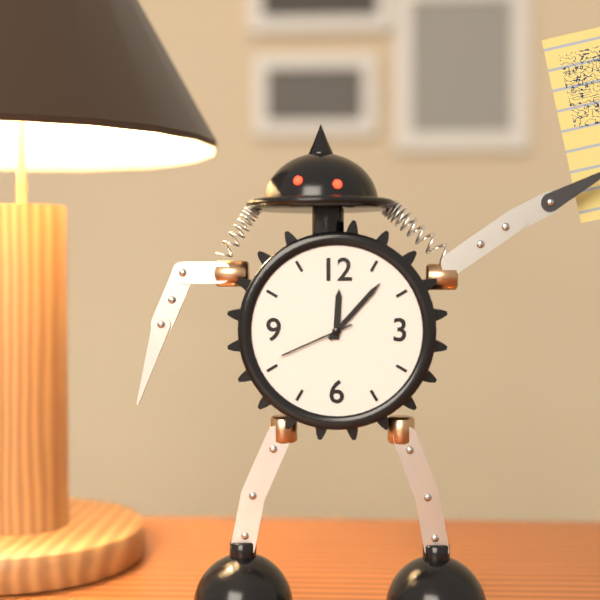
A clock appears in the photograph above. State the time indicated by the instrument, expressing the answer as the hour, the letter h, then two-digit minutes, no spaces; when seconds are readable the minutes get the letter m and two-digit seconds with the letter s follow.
12h07m41s
